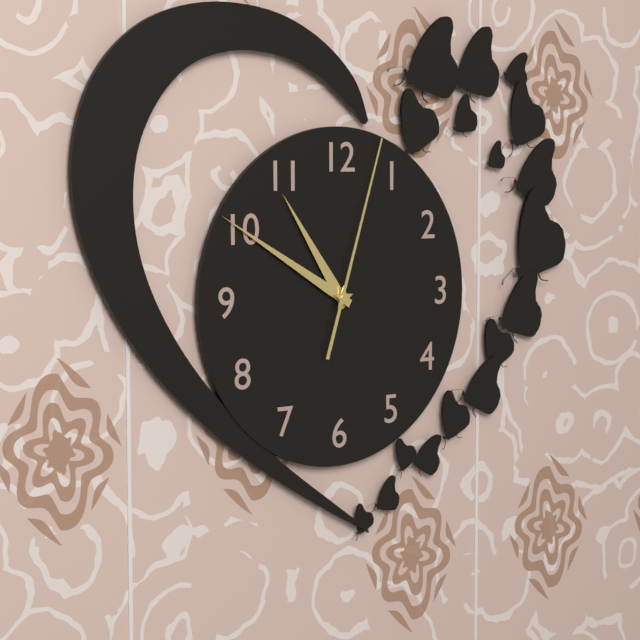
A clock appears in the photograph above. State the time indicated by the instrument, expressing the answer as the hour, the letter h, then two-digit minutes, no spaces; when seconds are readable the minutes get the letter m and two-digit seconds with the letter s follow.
10h50m03s
